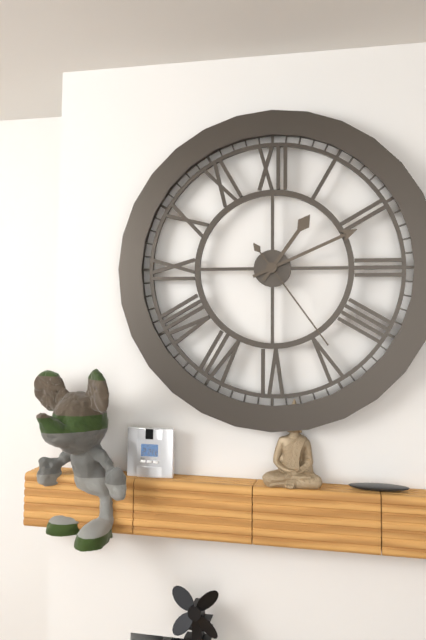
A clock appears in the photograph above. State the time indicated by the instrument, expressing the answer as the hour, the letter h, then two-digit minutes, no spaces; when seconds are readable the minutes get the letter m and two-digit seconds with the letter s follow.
1h11m24s
